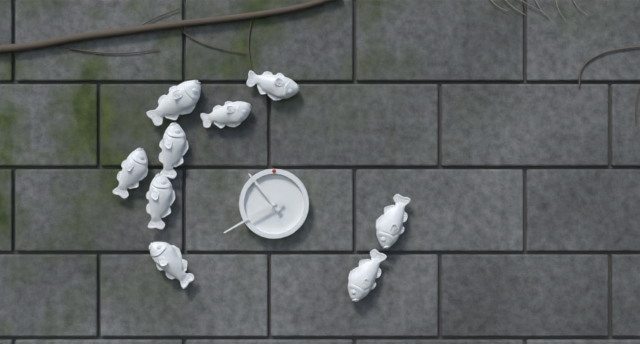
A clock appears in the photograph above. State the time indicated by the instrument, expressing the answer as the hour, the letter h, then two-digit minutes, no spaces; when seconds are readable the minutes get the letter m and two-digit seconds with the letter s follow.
10h40
